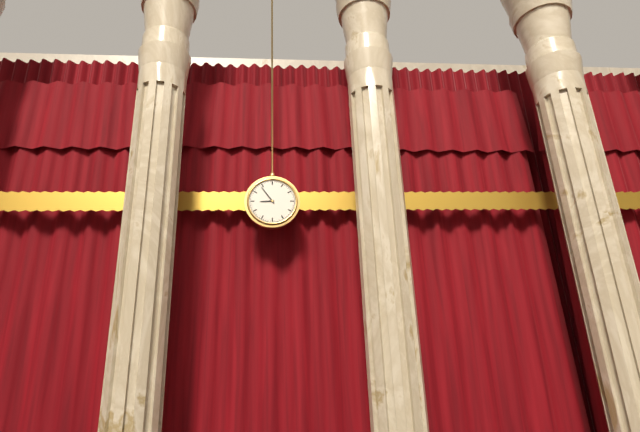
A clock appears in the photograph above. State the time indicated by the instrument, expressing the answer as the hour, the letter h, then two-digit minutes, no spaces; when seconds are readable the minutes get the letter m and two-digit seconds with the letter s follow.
8h54
